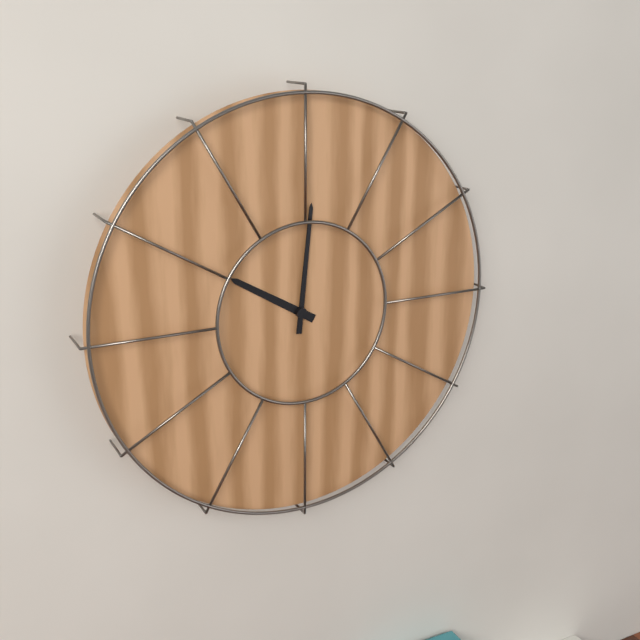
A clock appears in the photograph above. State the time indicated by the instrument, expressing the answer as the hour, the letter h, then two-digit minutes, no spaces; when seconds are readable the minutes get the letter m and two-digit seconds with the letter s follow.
10h01
